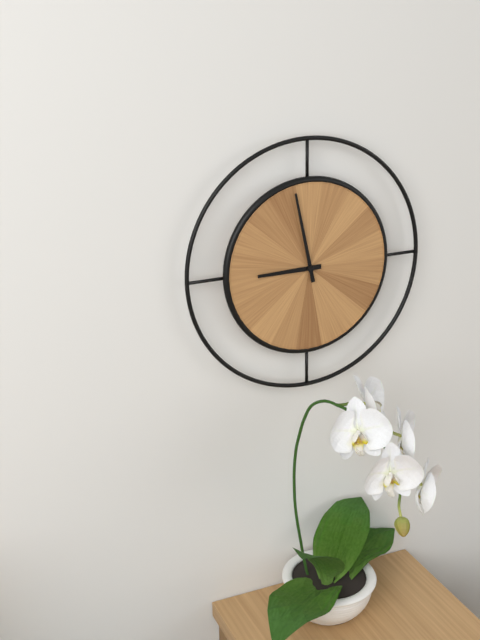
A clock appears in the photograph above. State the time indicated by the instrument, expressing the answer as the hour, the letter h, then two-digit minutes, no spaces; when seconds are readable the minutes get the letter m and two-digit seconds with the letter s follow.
8h58
